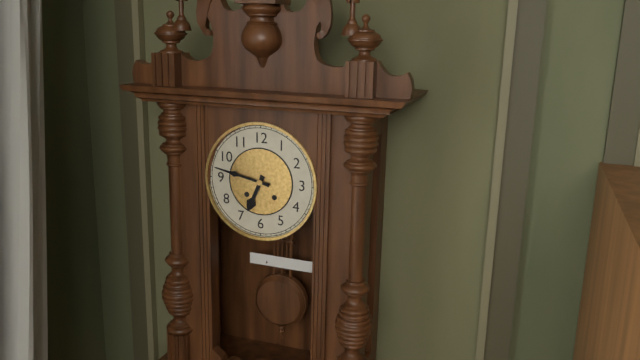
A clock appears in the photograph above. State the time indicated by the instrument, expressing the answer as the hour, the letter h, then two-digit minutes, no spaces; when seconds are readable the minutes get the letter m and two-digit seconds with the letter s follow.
6h47
